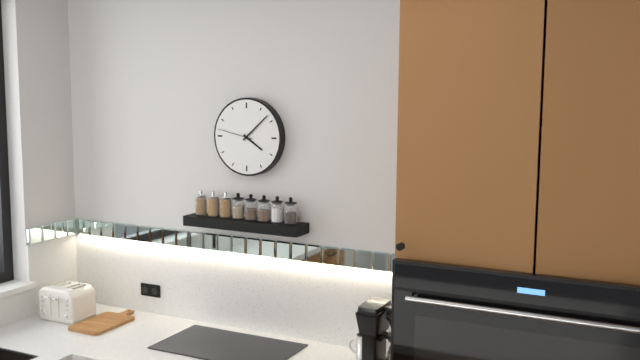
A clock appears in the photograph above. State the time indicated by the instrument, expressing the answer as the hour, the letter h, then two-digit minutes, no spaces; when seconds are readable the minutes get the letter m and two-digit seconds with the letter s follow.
4h08
